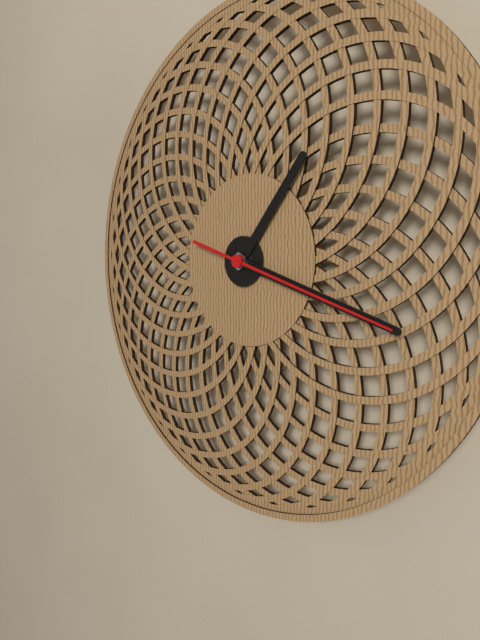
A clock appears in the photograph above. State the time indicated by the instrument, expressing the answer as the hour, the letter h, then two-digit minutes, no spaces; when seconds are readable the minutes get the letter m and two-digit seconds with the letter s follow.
1h18m18s
